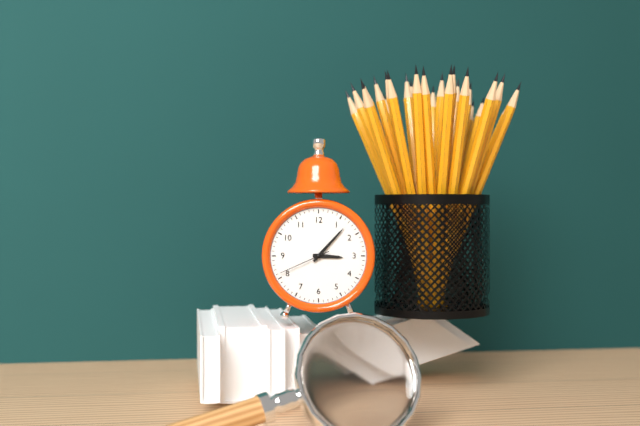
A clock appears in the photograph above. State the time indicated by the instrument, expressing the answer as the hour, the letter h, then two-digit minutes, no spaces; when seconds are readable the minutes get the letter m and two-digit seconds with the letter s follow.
3h07m41s
